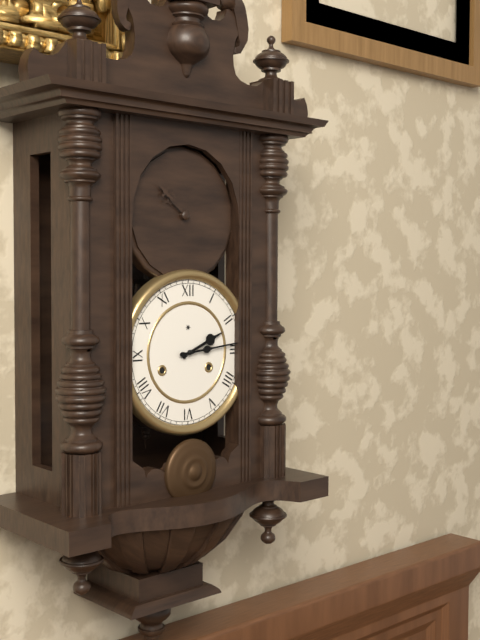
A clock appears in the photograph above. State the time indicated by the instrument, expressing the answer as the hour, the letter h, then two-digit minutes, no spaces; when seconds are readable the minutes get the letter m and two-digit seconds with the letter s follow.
2h14
